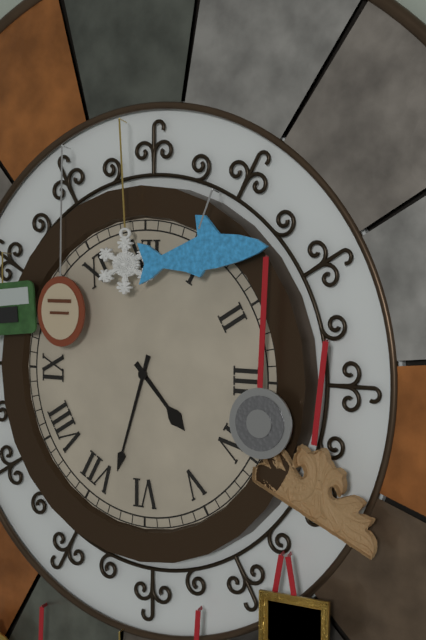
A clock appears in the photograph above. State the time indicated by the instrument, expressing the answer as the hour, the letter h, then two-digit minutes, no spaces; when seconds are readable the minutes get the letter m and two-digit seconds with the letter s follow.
4h33
